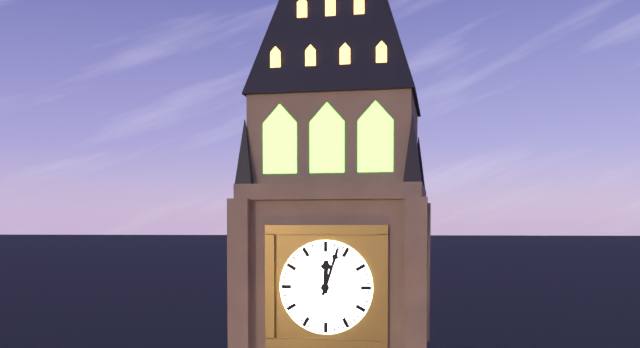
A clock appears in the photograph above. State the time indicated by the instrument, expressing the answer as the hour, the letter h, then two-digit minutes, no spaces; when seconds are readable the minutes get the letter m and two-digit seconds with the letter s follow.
12h03
